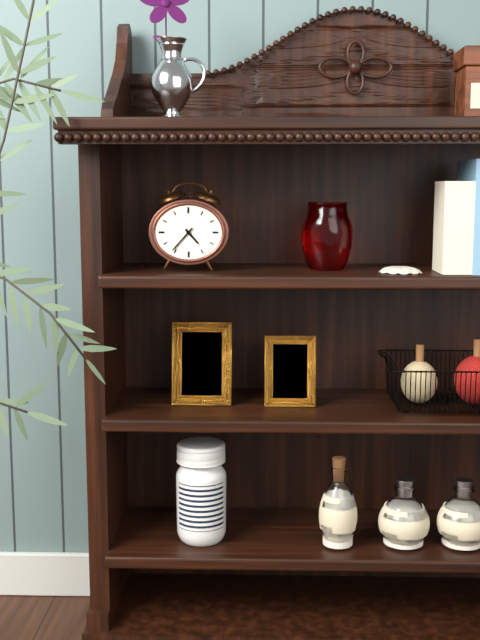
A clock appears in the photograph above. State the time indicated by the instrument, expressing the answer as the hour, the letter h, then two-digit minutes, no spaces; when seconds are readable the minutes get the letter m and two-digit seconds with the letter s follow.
4h37
